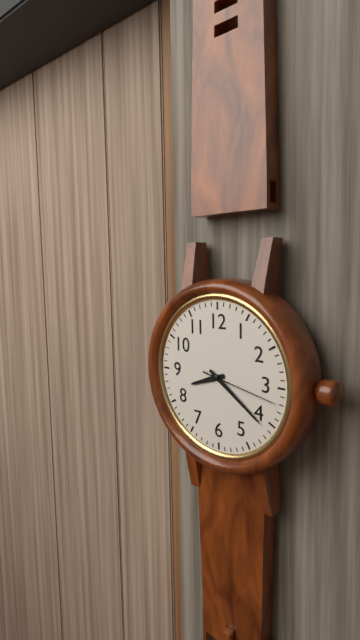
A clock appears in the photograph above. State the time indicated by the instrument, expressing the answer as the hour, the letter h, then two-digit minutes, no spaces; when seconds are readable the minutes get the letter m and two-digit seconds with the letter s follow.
8h21m17s
